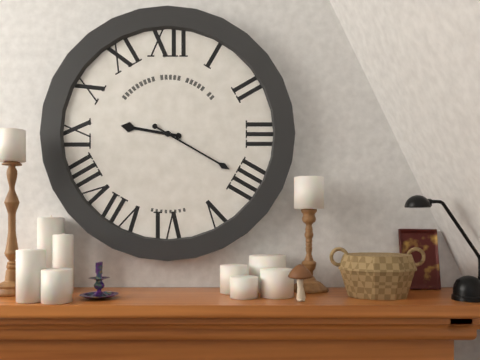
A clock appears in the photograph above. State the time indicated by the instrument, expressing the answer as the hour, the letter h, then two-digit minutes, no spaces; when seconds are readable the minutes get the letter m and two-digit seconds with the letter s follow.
9h20
